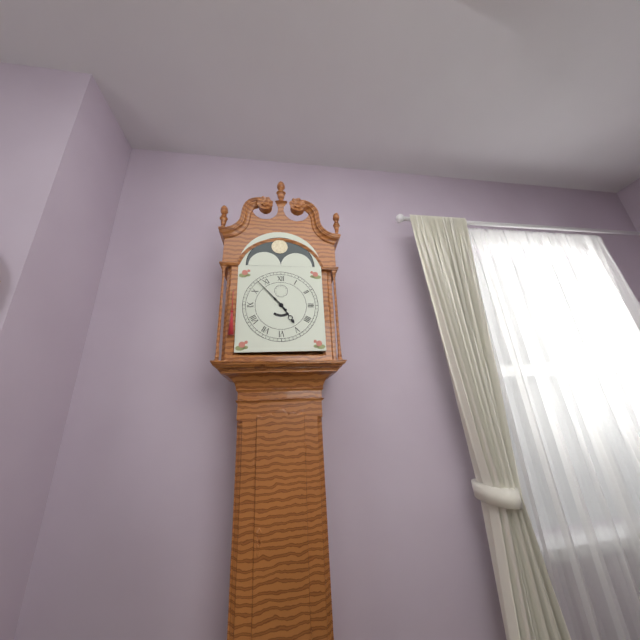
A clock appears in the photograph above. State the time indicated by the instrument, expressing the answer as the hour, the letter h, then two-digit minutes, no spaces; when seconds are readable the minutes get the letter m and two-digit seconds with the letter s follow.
4h53
